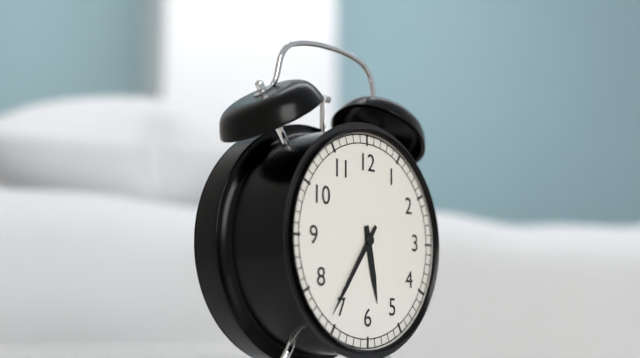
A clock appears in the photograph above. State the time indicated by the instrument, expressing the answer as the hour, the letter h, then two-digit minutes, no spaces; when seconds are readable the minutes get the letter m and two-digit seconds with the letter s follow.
5h36
